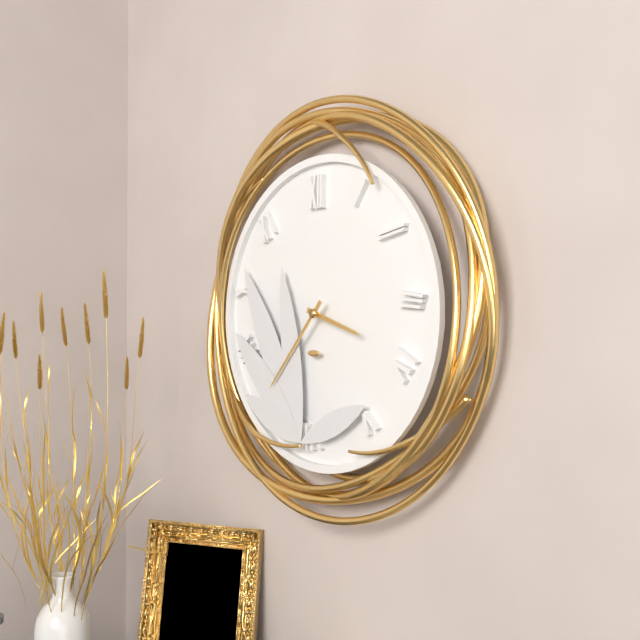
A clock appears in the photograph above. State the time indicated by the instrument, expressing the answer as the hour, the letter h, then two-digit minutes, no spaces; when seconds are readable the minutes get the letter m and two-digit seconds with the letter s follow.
3h37
